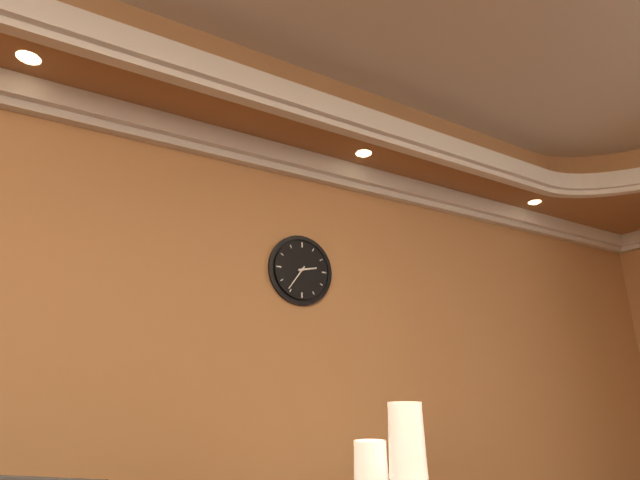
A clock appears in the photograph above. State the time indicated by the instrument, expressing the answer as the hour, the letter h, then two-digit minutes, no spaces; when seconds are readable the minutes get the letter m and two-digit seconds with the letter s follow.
2h36
